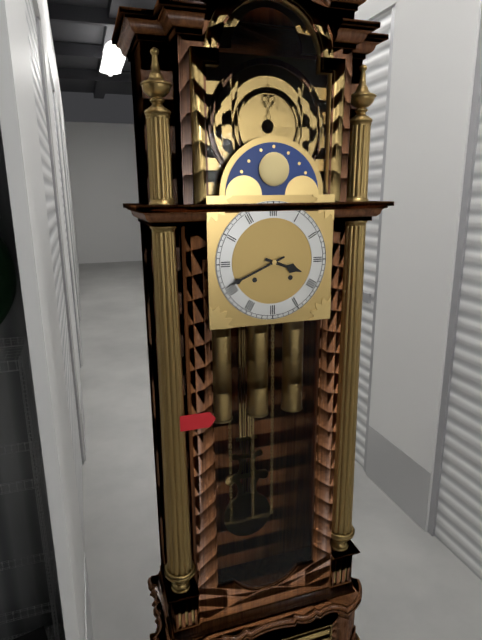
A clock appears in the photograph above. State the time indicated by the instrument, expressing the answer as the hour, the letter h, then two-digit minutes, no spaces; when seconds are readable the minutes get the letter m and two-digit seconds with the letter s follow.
3h41
